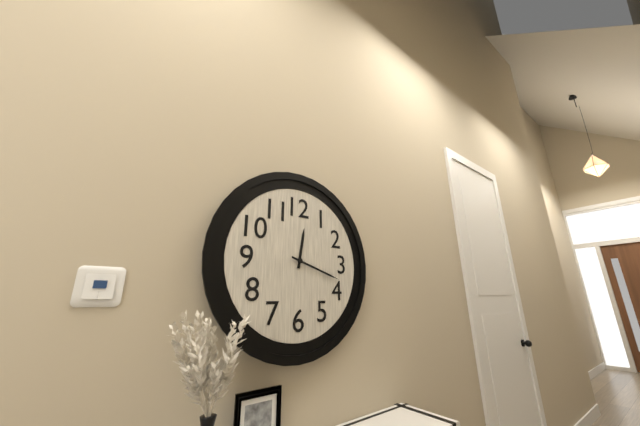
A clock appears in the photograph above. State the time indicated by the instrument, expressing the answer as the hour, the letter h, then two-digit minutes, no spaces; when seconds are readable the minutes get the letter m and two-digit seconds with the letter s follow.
12h18
